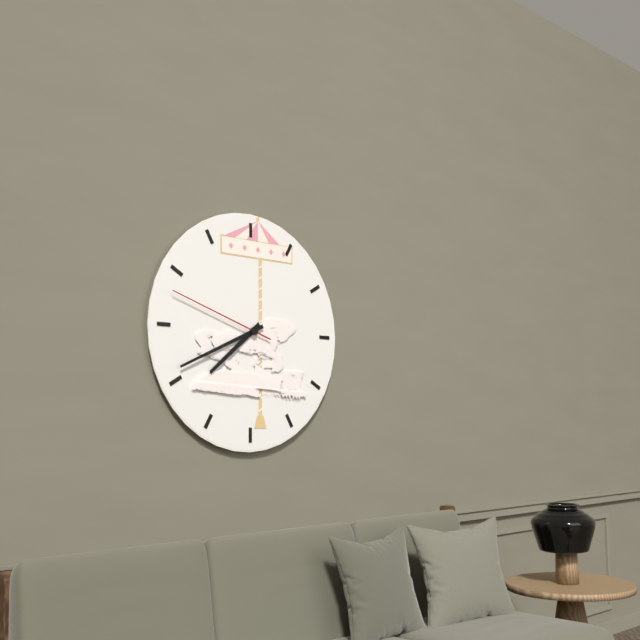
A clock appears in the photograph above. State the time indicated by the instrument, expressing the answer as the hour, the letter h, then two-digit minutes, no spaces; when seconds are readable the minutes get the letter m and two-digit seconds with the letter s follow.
7h41m48s
